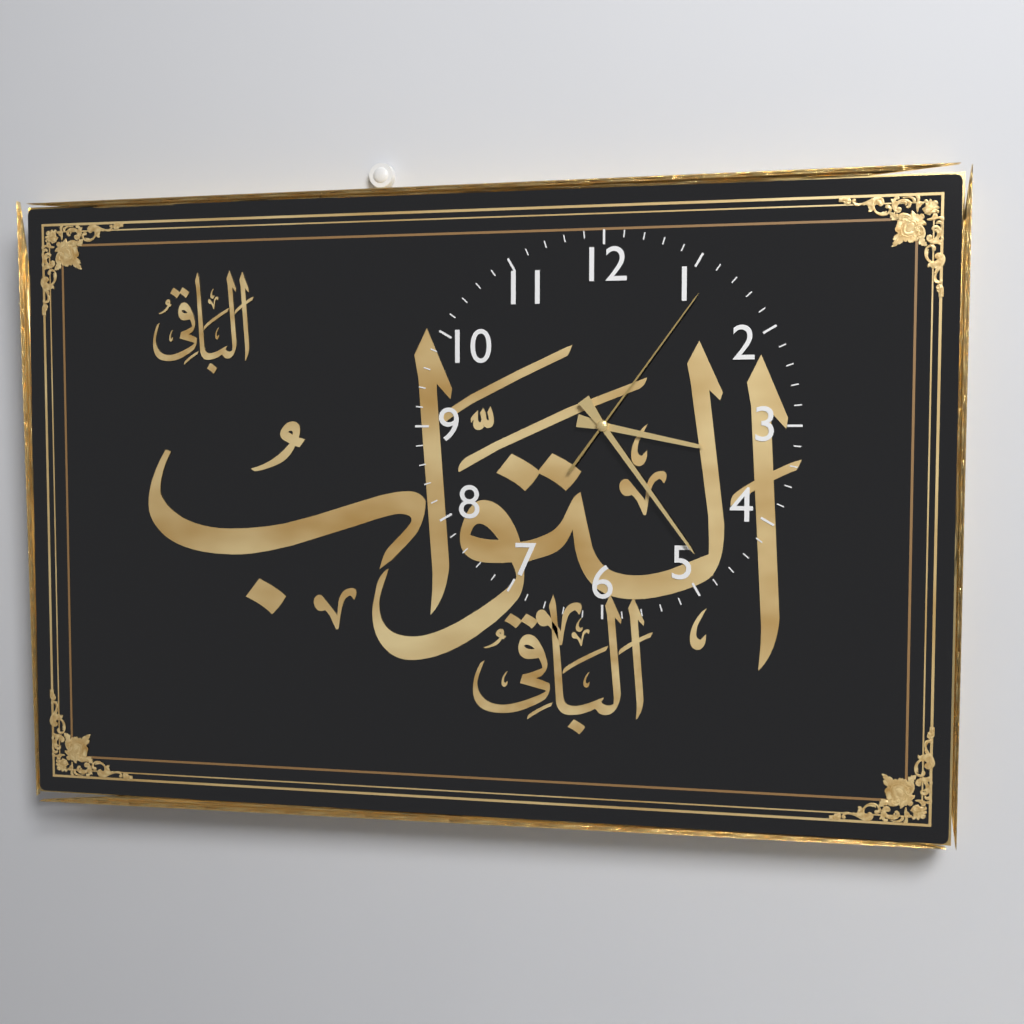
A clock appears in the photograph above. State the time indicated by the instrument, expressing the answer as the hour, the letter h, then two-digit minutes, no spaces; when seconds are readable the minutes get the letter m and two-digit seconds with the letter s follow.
3h24m06s
